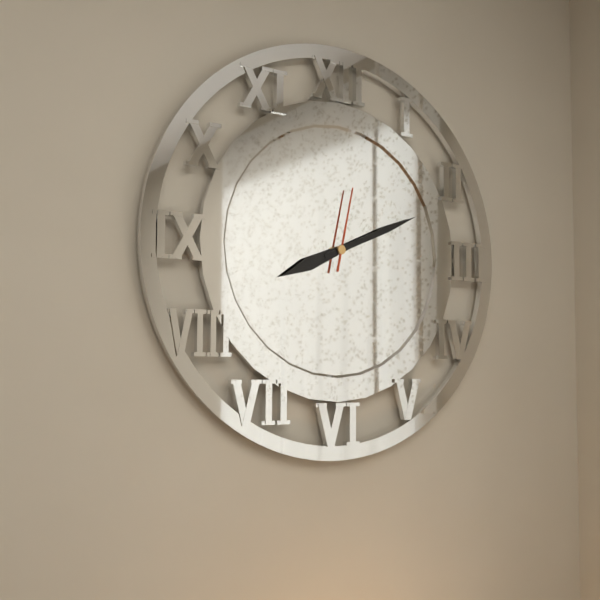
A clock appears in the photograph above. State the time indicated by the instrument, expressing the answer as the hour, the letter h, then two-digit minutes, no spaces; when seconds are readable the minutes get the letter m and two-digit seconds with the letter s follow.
8h11m02s
